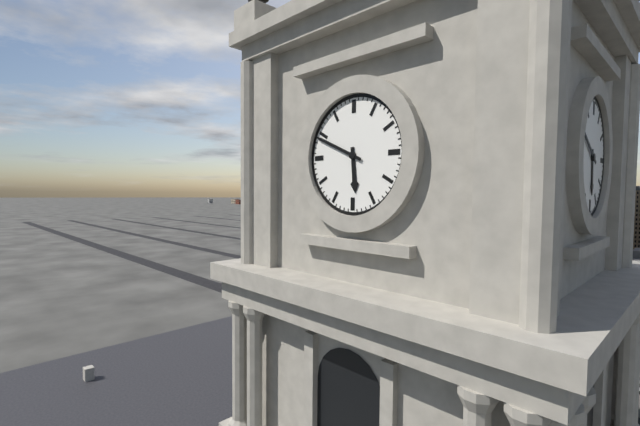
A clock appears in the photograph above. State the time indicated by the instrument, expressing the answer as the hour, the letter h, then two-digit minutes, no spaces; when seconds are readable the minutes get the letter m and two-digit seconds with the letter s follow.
5h49
